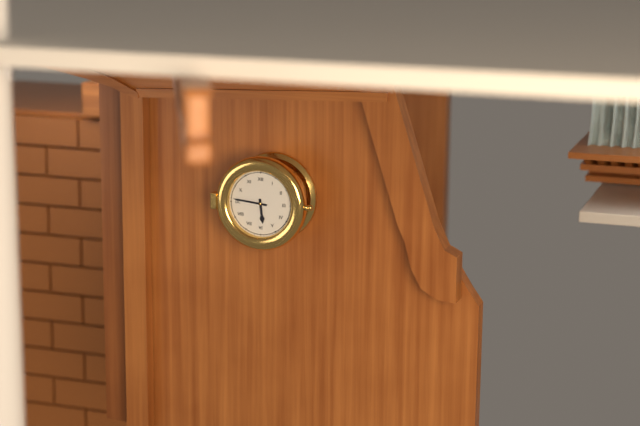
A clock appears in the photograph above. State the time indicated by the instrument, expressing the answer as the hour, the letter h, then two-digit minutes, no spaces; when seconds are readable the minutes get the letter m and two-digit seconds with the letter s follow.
5h46
